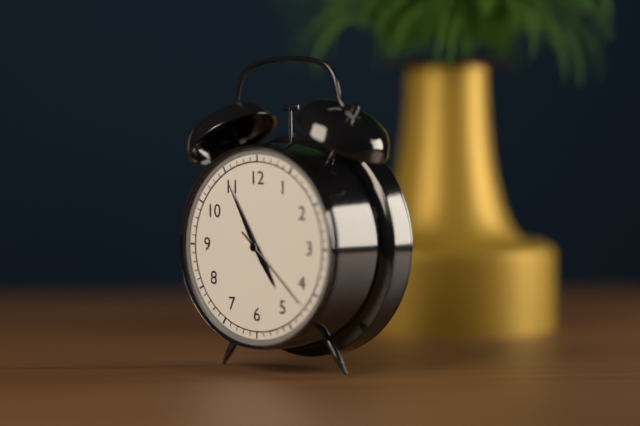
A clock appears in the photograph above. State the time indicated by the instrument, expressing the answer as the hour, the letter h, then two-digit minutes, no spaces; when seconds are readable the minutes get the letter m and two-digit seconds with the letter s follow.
4h55m22s
